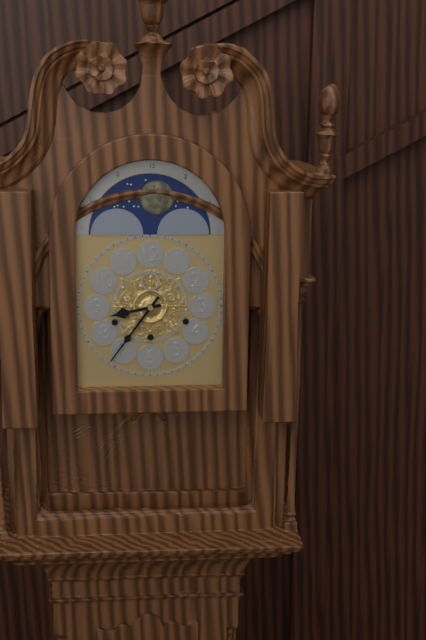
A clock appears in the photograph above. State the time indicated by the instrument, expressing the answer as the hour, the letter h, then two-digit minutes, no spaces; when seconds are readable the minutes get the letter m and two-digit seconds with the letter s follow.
8h36
